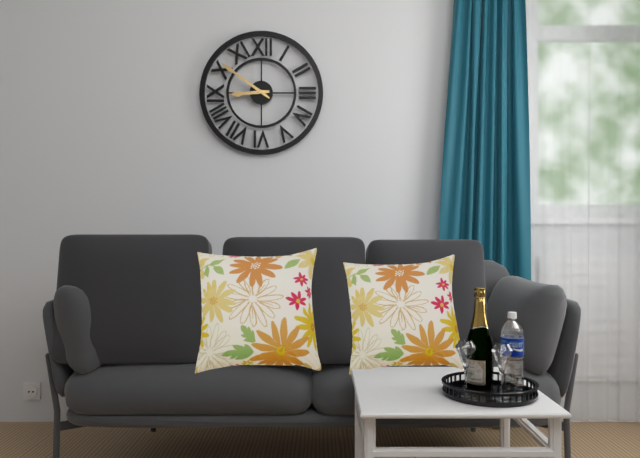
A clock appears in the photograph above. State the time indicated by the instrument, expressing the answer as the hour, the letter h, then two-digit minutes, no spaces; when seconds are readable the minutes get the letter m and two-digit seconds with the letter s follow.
8h51
